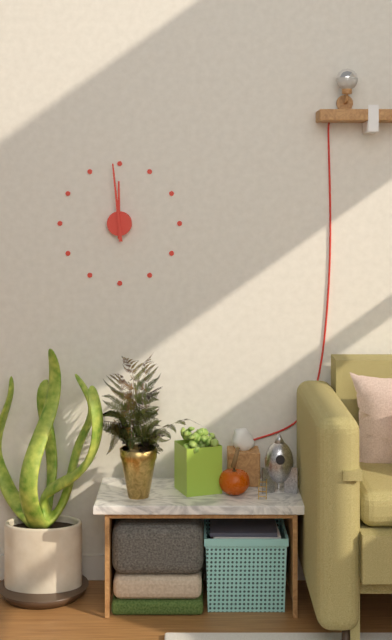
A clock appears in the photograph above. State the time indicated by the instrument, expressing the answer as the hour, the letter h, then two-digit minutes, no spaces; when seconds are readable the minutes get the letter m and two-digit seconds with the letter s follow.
11h59
